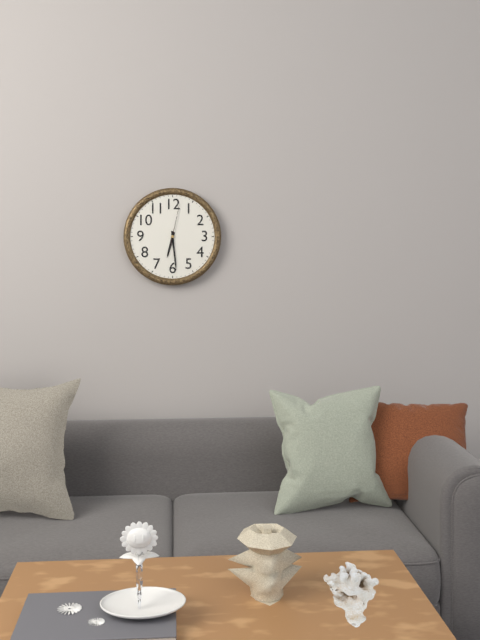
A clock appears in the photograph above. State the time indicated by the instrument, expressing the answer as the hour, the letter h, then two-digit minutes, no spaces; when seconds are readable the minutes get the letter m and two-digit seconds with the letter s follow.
6h29
